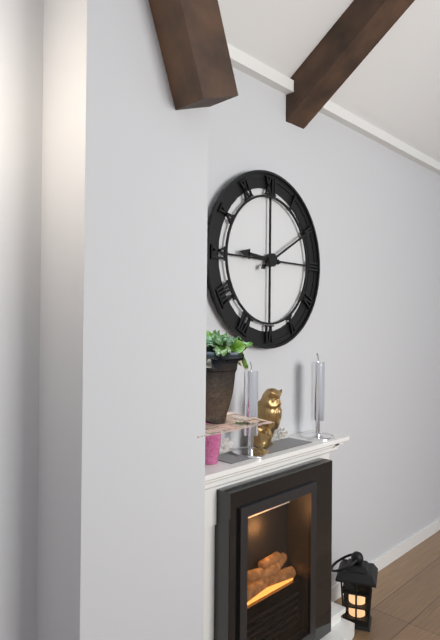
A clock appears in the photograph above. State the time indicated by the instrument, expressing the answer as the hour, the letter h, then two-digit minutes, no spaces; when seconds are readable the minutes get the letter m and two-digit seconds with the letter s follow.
9h10
